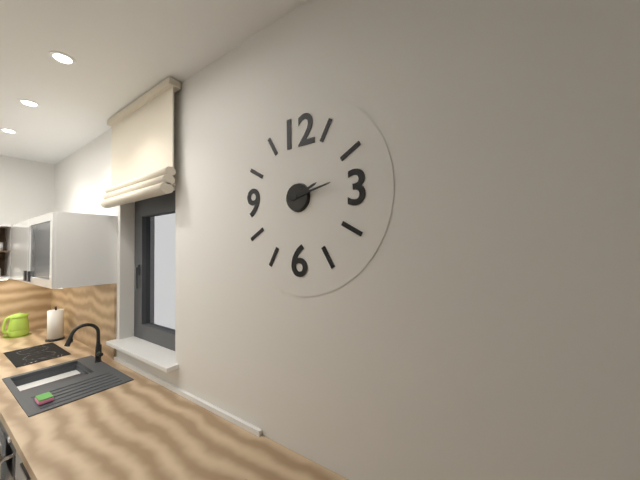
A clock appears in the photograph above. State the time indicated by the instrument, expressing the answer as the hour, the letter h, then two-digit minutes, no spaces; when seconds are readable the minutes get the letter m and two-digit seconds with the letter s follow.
2h13
